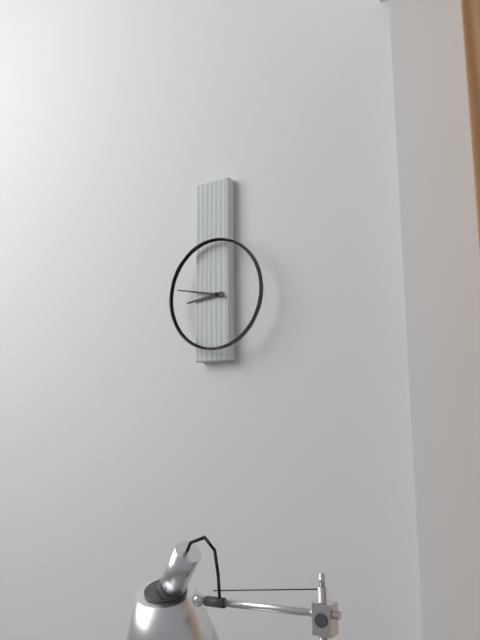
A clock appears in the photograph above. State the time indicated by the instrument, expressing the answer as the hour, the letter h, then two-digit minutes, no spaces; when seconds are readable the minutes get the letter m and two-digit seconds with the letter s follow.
8h47
